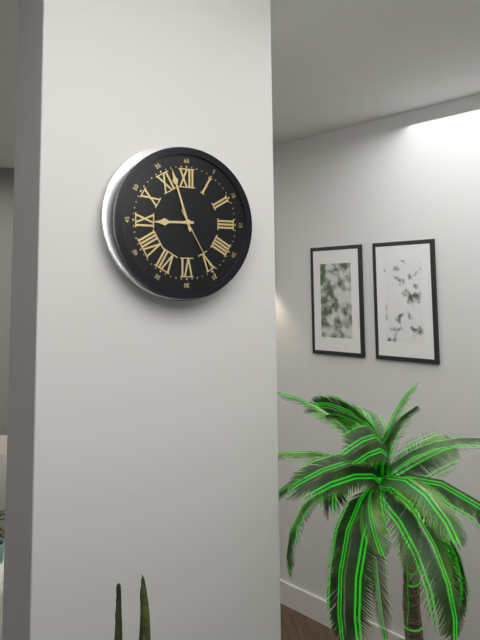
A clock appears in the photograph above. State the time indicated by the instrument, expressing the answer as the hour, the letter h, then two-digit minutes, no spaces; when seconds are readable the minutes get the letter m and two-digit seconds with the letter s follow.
8h57m25s
